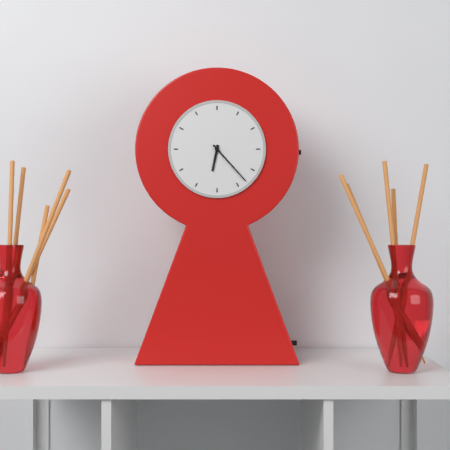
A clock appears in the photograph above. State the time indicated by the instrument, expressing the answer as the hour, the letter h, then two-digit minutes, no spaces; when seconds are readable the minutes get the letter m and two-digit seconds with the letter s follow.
6h23
